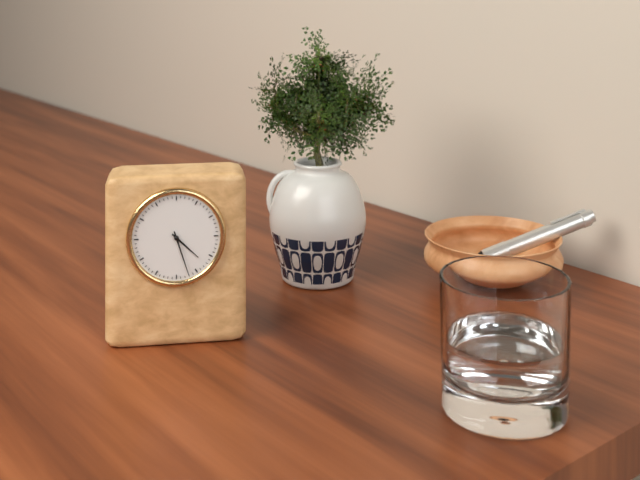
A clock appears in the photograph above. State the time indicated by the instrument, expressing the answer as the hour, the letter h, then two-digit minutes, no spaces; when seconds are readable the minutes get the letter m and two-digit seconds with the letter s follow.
4h27
